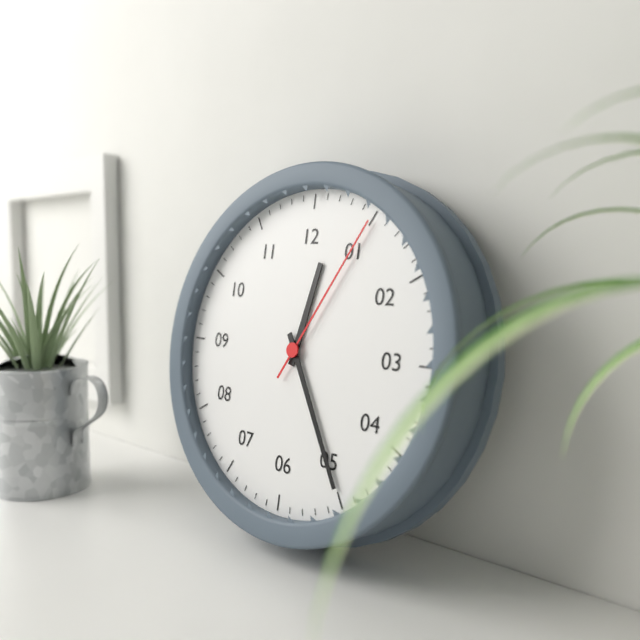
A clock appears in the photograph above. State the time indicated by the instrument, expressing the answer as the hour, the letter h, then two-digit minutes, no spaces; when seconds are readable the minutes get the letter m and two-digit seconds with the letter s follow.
12h25m05s
